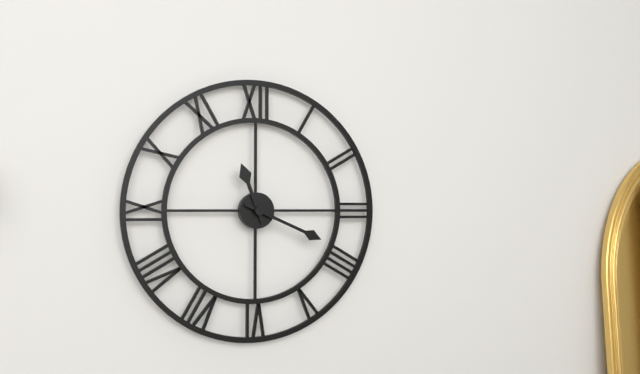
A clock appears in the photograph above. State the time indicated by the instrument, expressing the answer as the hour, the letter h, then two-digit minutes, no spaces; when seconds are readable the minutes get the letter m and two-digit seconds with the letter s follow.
11h19
